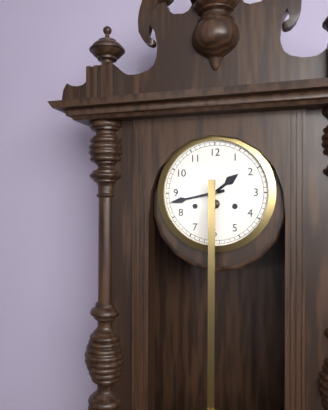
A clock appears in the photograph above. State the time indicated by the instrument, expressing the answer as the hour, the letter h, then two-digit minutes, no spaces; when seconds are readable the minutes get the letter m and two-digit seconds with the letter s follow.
1h43
